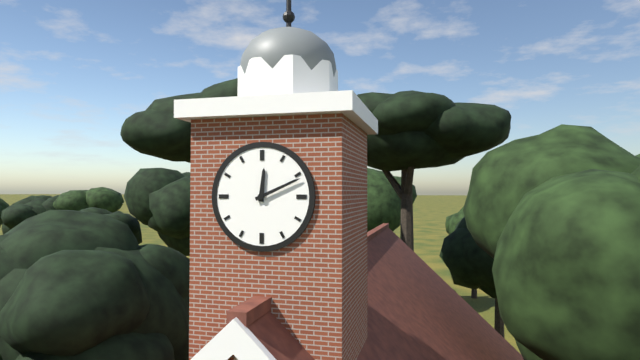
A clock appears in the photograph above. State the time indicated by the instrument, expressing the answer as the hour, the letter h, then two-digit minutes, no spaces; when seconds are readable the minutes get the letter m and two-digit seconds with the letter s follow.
12h11
